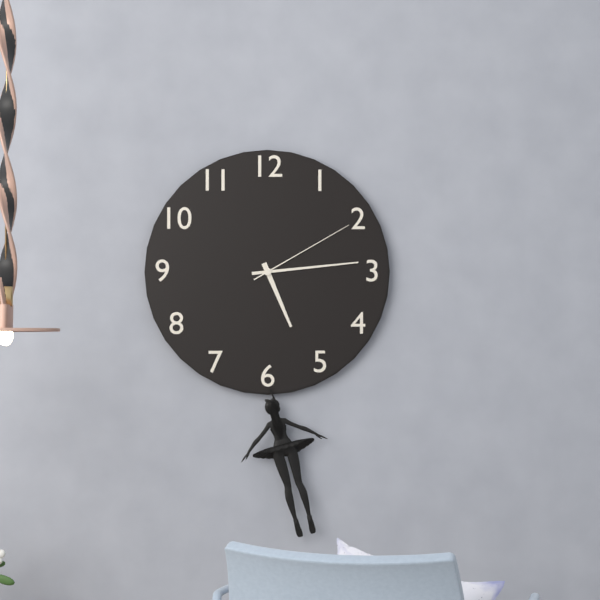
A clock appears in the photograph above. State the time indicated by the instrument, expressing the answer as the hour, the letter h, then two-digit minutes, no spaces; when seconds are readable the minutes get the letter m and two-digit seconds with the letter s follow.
5h14m10s
